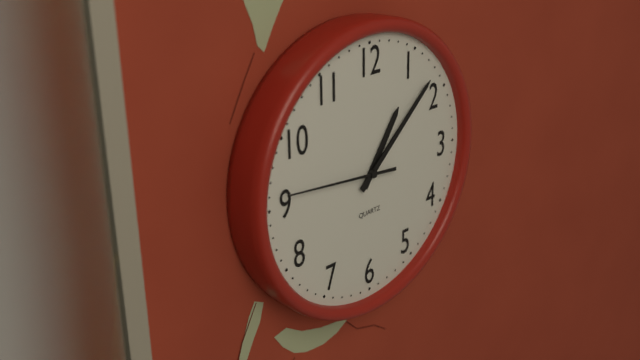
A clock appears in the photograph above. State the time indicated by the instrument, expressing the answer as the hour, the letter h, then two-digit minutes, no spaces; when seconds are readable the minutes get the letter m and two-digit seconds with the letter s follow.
1h08m46s
